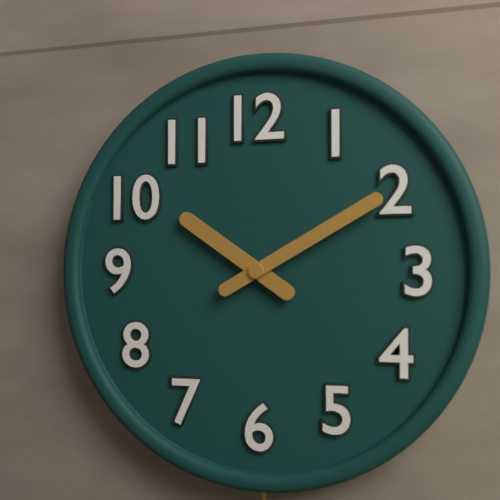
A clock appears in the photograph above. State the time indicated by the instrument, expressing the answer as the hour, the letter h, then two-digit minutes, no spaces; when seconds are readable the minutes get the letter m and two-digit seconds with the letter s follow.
10h10
